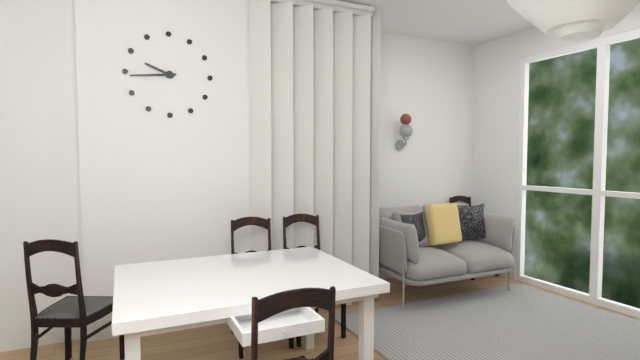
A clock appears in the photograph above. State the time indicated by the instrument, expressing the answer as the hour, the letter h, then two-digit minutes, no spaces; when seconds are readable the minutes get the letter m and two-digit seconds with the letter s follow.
9h44
